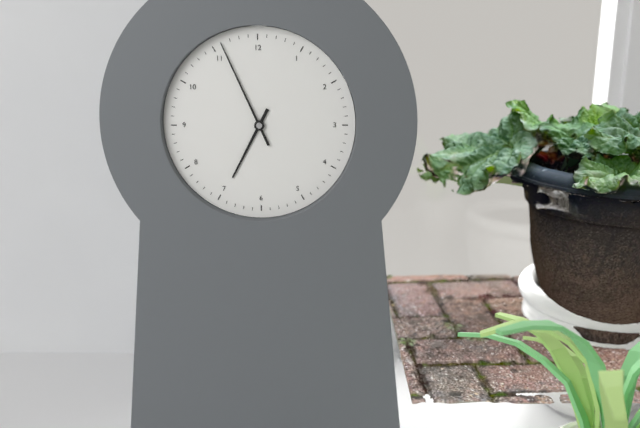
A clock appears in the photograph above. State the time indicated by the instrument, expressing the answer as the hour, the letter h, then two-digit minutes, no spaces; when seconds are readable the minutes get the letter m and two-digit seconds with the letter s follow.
6h56
